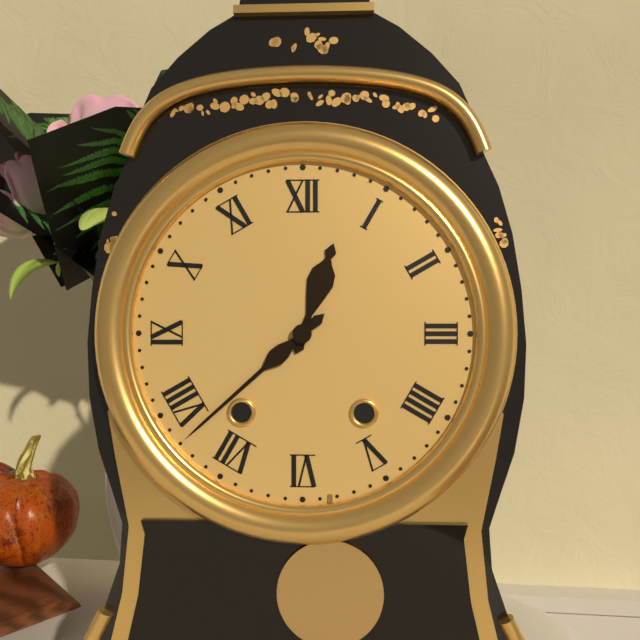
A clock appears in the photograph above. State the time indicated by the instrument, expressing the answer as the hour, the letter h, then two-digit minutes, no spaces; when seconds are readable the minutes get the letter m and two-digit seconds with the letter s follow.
12h38
